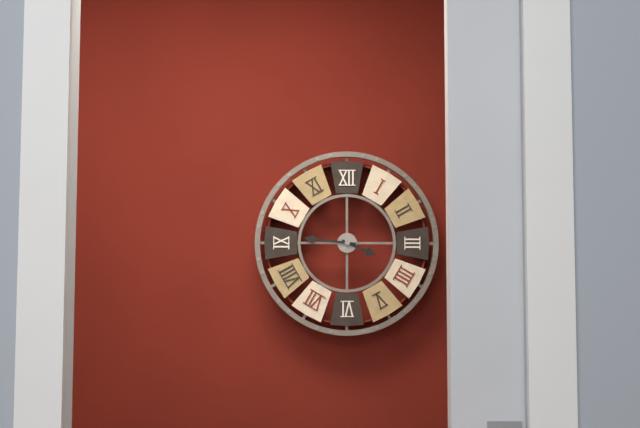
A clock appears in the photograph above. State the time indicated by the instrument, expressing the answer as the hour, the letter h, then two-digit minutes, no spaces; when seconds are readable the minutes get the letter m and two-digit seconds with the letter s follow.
3h46
